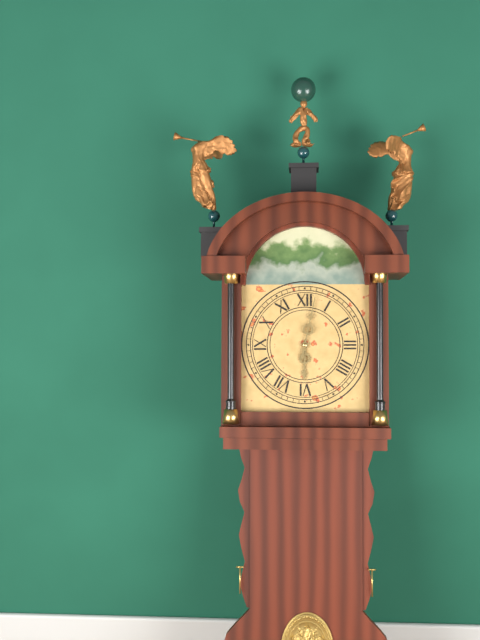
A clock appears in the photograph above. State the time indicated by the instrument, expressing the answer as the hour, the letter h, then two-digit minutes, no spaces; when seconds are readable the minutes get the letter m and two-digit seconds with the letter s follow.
6h02
